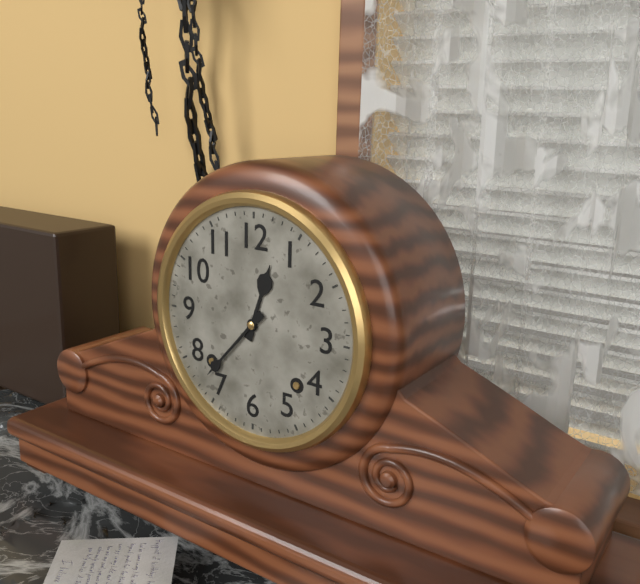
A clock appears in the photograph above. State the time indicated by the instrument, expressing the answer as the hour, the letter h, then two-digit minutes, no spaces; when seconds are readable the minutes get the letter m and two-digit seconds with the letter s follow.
12h37
